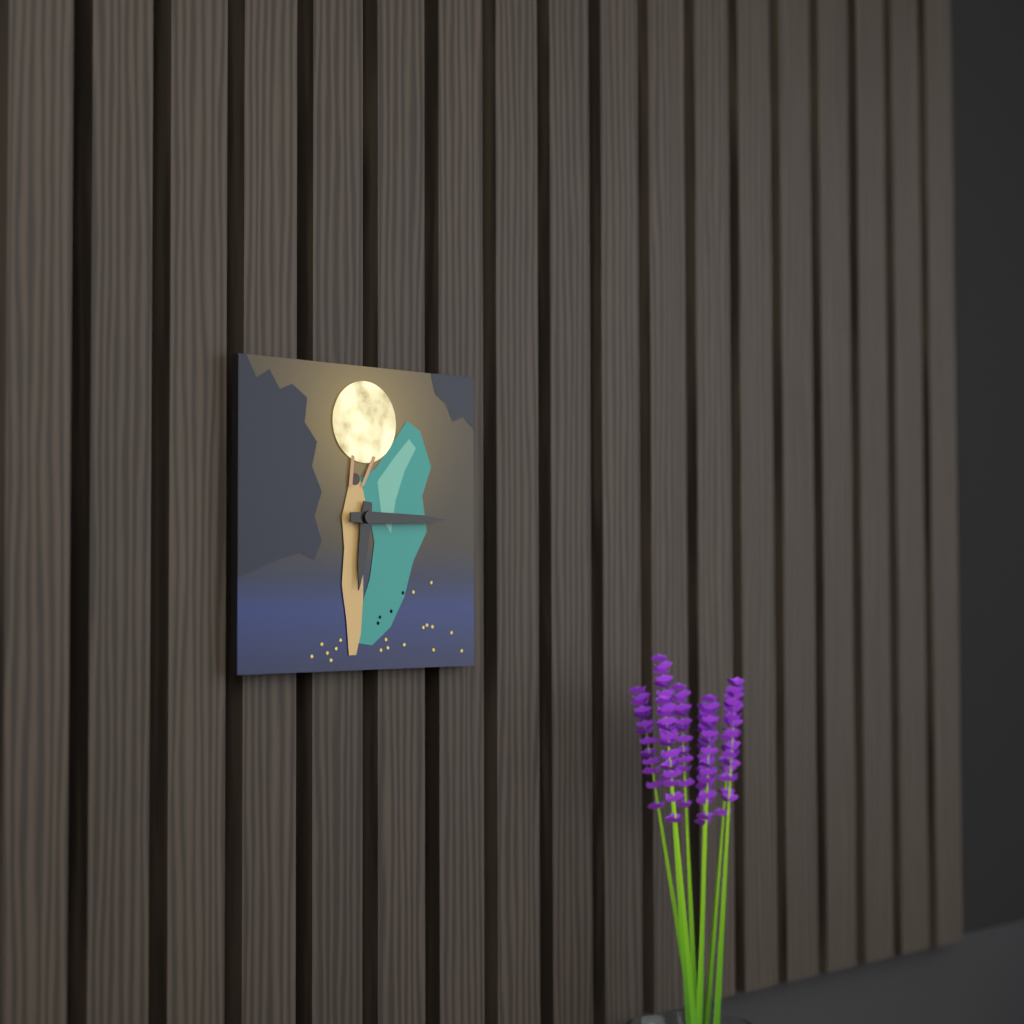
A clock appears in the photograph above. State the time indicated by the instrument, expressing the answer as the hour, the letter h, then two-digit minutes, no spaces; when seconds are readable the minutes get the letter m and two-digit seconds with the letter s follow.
6h15
